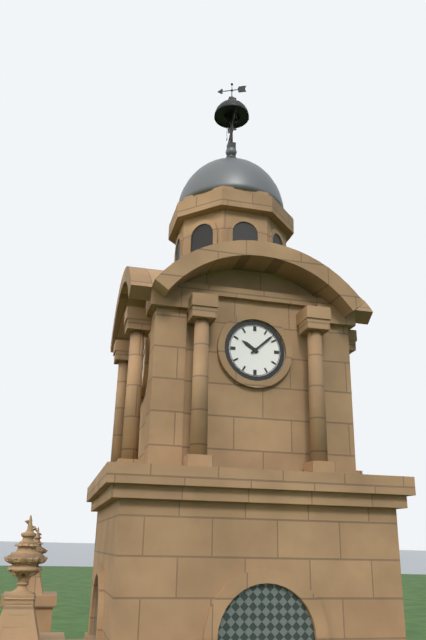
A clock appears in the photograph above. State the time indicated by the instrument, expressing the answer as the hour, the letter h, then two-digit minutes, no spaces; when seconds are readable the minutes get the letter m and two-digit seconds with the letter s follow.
10h08
